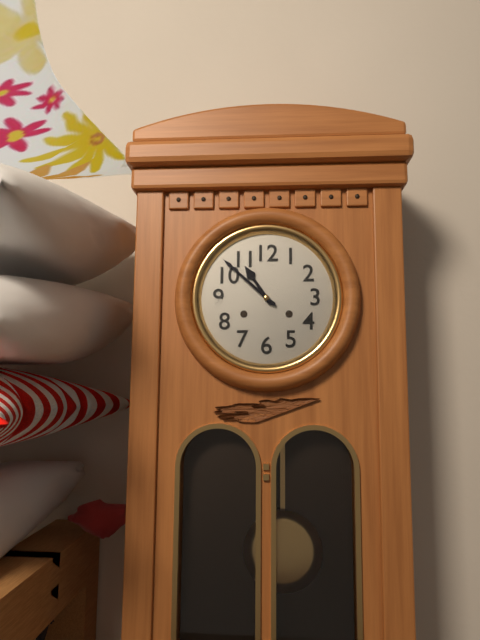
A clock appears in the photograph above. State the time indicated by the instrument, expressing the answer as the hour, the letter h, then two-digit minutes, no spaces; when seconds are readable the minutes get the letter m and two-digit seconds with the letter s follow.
10h52
